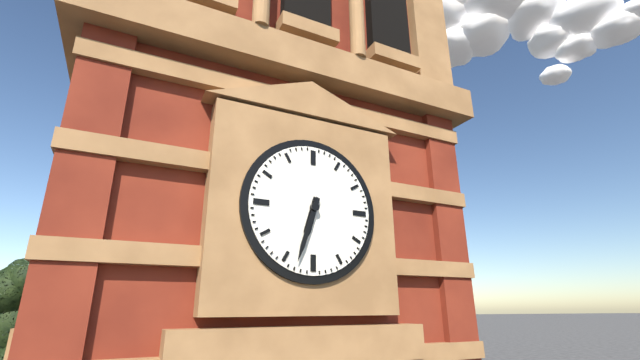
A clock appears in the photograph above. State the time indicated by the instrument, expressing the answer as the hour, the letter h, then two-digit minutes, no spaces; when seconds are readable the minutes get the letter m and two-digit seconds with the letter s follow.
6h33
